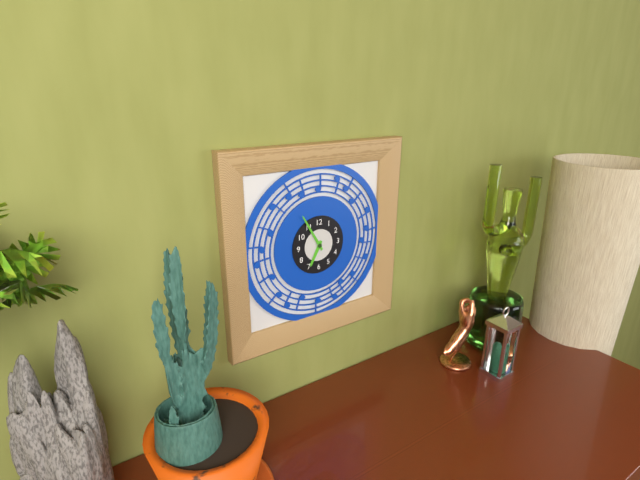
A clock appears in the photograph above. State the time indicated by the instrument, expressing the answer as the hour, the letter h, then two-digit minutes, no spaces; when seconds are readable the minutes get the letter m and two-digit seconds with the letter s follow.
6h55
